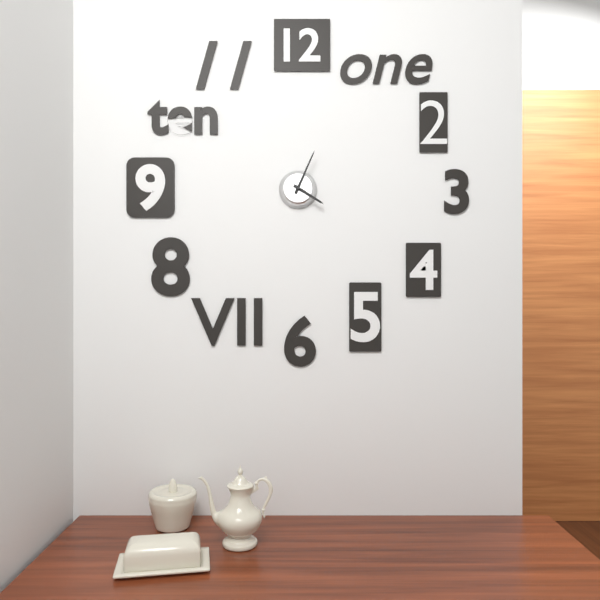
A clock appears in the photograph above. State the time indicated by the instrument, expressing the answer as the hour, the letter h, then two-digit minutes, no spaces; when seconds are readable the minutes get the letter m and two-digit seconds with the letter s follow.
4h04
